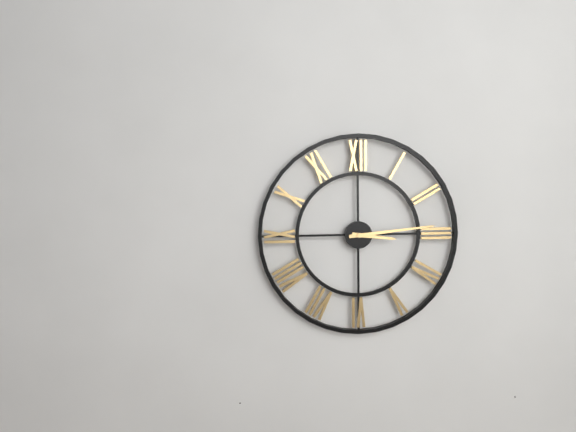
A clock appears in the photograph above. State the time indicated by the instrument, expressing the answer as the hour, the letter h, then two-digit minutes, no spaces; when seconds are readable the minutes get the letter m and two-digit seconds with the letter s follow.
3h14
